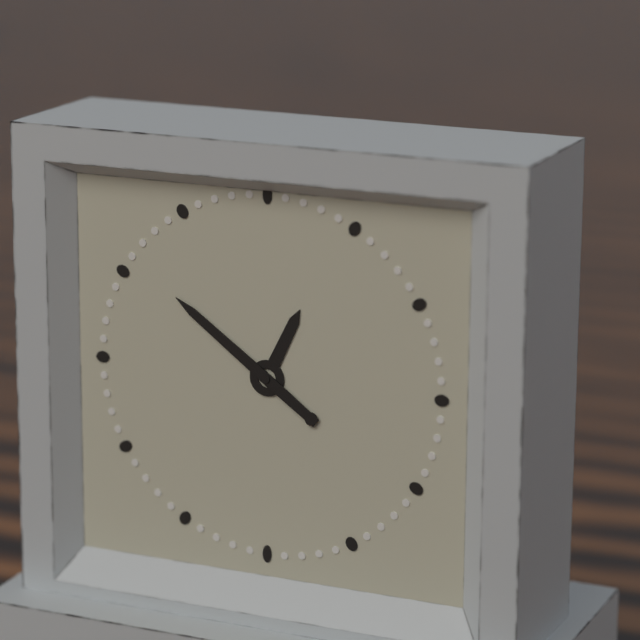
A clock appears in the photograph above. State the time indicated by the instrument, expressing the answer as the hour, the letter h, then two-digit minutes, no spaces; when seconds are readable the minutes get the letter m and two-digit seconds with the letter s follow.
12h51
